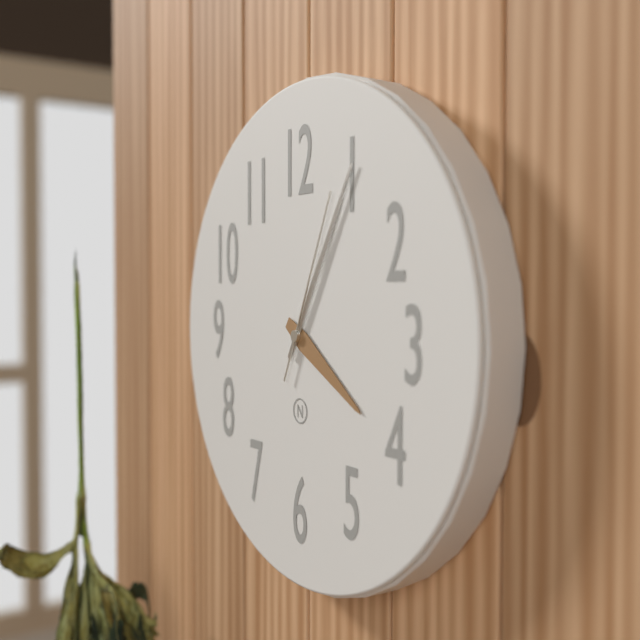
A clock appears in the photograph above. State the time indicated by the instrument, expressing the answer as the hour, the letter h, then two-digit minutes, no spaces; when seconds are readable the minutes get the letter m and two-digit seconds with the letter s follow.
4h05m04s
